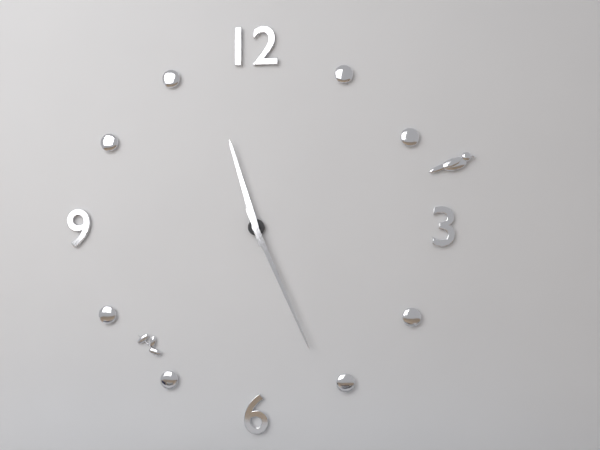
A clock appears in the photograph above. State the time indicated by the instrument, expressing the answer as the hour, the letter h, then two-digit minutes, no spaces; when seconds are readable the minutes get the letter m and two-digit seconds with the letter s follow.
11h26
